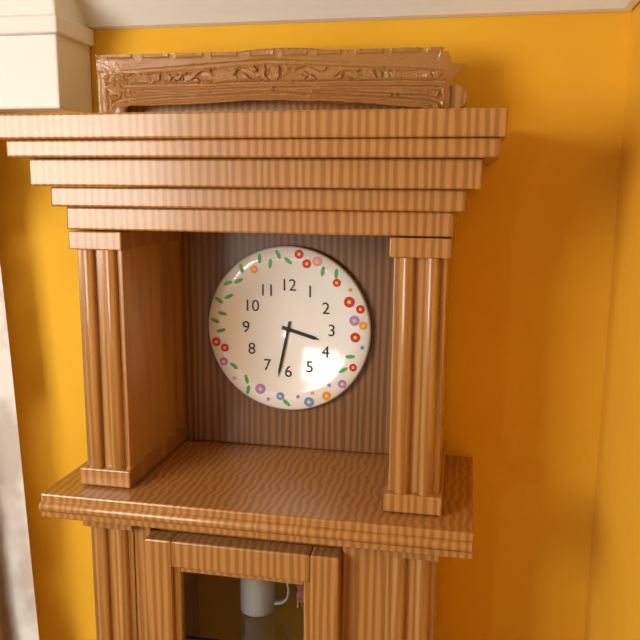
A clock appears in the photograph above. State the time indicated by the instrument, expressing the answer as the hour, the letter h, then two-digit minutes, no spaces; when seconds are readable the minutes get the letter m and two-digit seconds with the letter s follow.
3h32
